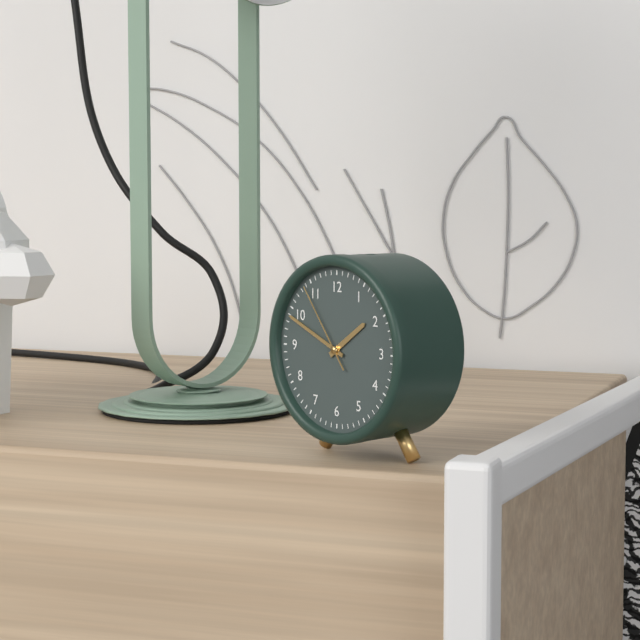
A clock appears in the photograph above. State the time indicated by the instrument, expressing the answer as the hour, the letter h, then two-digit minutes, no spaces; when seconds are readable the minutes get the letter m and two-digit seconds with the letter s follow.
1h49m54s
